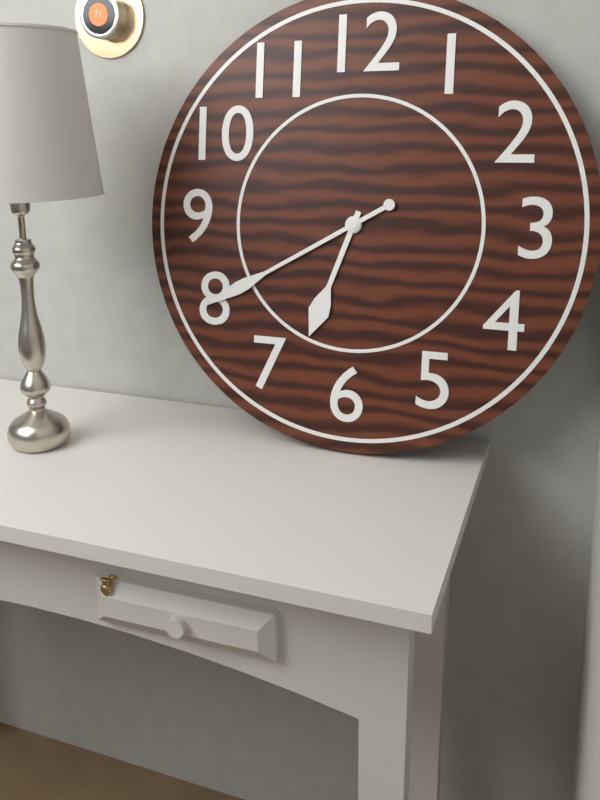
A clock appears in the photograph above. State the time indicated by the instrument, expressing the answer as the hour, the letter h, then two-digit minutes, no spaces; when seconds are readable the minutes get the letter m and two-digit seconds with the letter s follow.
6h40
